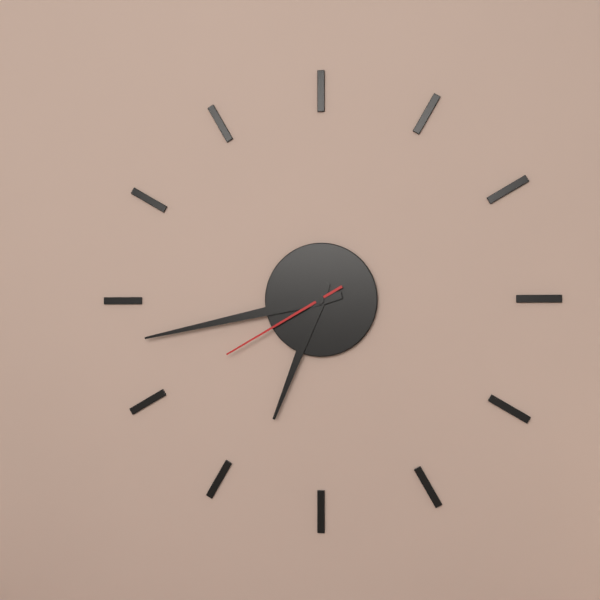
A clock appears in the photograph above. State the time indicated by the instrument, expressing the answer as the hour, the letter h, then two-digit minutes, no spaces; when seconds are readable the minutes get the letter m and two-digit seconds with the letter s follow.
6h43m40s
